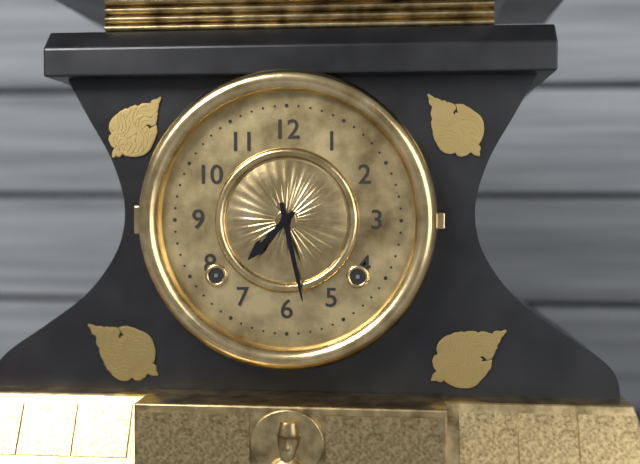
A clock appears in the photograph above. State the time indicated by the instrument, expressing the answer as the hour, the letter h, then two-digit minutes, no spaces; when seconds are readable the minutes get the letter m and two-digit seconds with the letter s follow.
7h28
